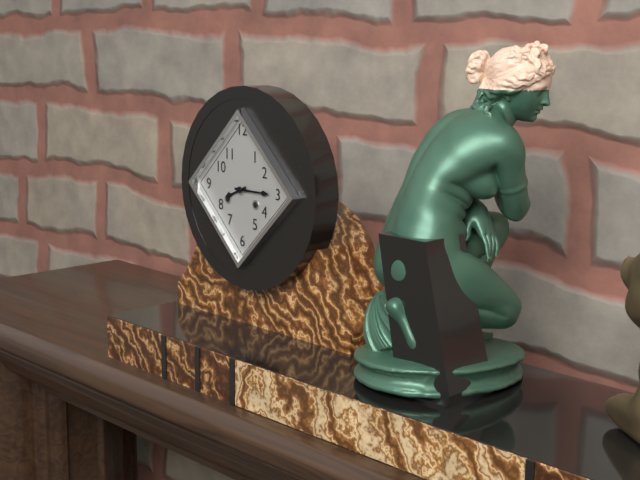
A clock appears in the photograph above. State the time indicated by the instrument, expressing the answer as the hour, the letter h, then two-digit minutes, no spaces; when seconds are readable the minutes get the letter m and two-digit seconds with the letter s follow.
8h15
